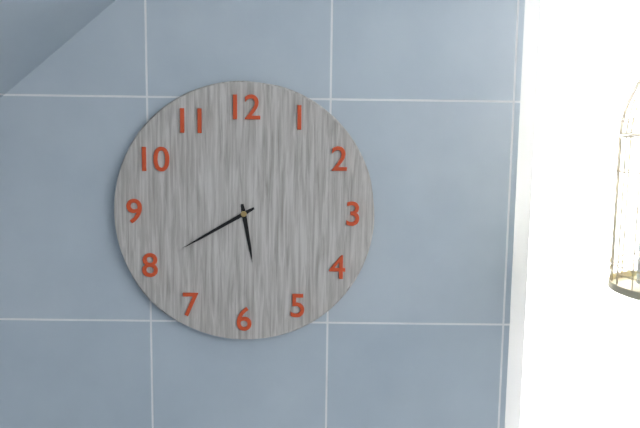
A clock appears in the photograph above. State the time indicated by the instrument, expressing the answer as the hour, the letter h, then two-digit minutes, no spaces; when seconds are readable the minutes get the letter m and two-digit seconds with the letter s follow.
5h40
